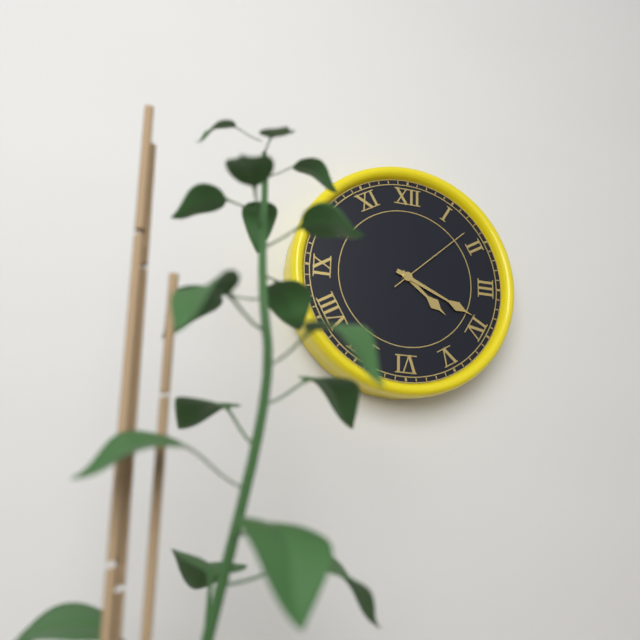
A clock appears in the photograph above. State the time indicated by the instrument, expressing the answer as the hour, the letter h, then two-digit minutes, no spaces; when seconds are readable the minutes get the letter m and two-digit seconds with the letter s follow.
4h19m08s
